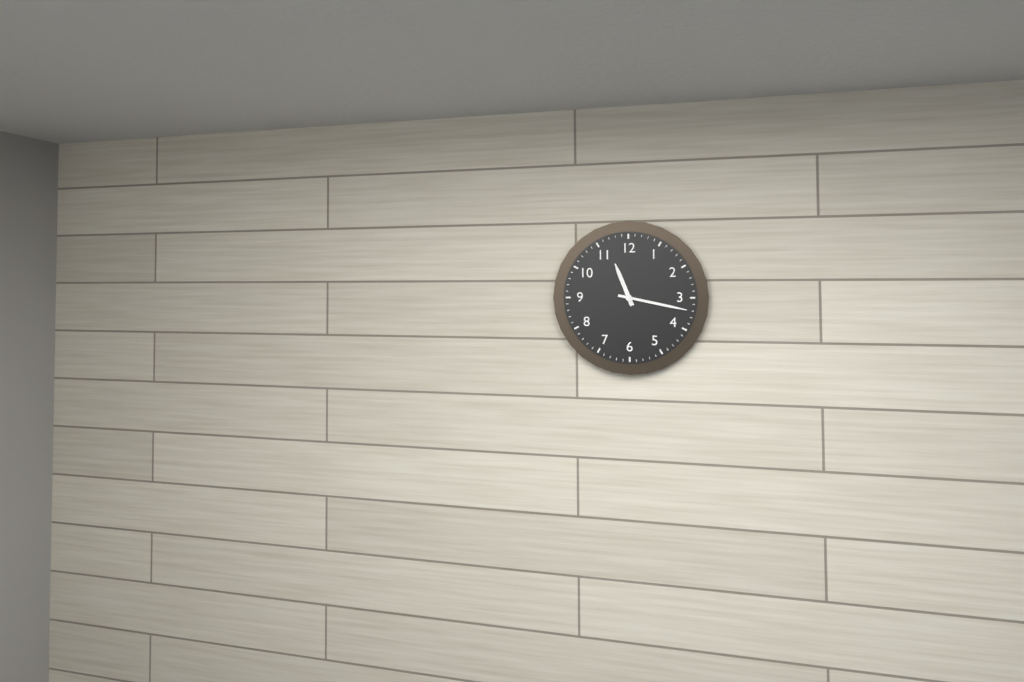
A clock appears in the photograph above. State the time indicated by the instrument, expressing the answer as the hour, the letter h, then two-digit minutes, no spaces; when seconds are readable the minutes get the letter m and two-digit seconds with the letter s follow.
11h17
